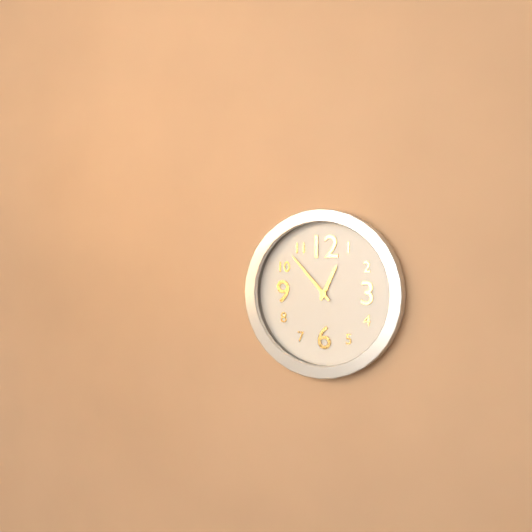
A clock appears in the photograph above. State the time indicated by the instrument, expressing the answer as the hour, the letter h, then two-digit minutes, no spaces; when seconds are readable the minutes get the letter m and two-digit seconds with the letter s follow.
12h53
